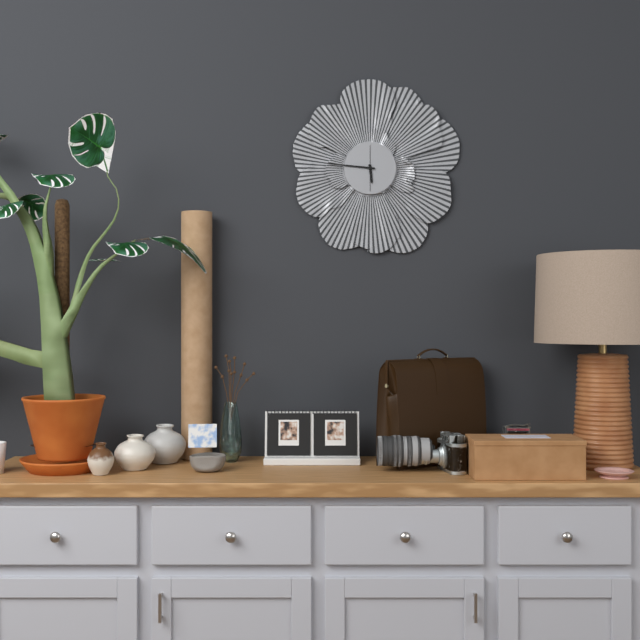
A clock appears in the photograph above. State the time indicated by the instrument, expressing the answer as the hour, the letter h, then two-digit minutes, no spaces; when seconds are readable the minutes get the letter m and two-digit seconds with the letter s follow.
5h46
